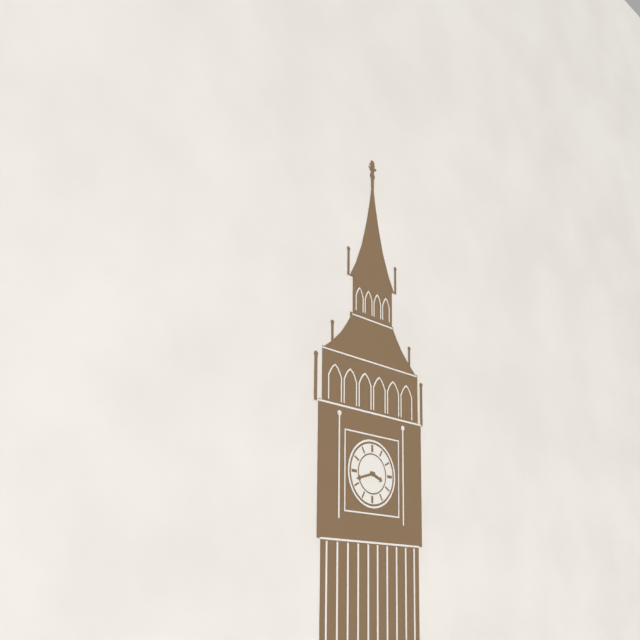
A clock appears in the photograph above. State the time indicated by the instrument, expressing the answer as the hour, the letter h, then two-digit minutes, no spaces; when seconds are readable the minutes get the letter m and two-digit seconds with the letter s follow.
3h42
